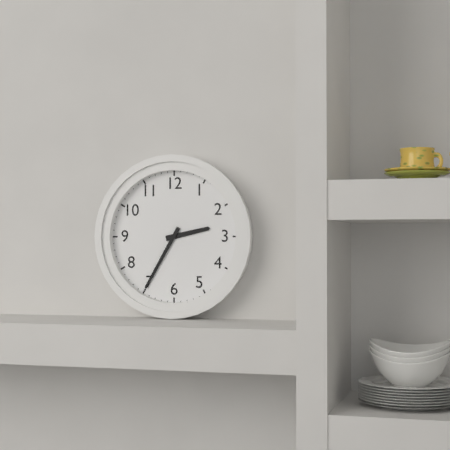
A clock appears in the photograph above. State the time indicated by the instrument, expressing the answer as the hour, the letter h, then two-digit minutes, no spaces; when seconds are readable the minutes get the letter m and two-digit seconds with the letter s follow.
2h35
